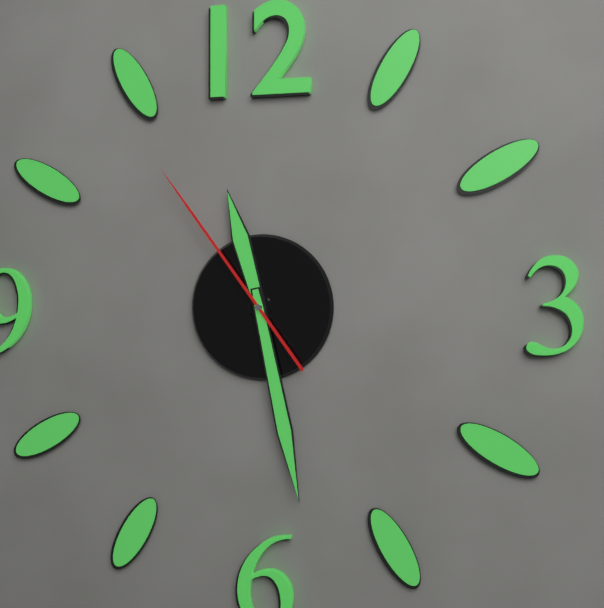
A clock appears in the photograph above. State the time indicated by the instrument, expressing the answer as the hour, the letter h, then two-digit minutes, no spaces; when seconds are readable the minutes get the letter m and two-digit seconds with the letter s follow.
11h28m54s
